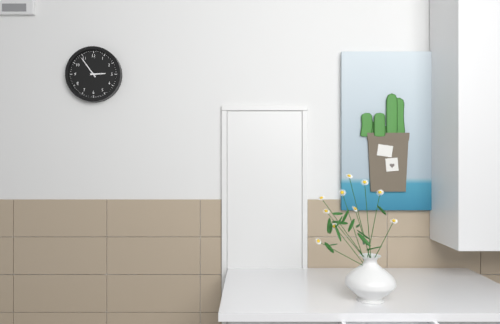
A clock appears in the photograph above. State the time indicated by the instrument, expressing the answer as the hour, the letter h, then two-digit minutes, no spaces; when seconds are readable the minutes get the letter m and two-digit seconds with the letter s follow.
2h54
